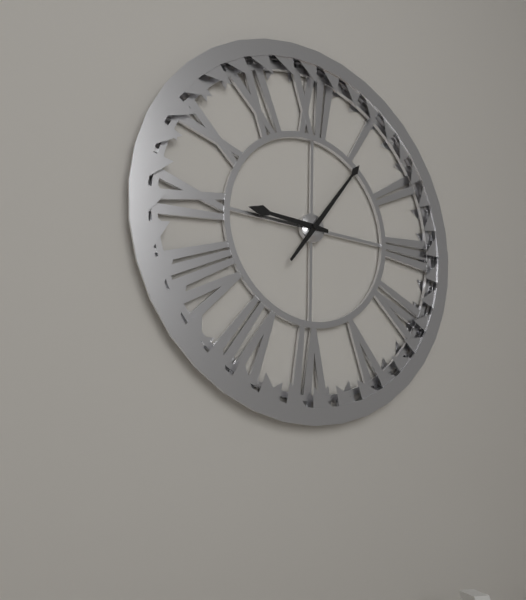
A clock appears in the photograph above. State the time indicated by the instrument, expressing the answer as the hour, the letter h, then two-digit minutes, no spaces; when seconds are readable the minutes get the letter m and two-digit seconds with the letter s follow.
9h06
